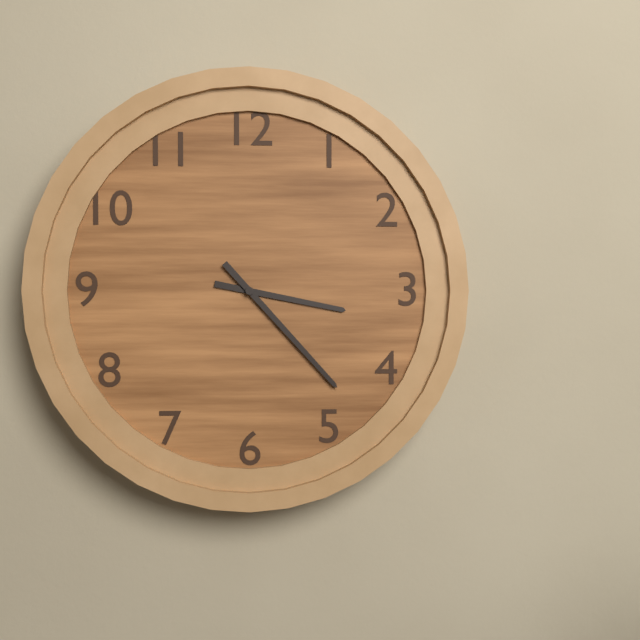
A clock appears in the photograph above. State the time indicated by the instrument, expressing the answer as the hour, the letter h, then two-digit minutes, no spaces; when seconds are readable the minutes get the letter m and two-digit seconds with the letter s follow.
3h23
